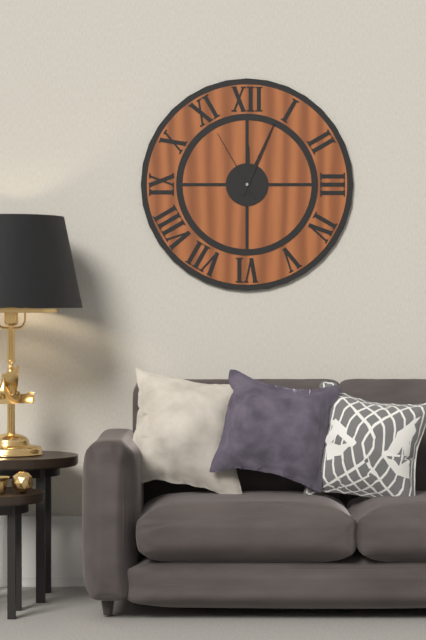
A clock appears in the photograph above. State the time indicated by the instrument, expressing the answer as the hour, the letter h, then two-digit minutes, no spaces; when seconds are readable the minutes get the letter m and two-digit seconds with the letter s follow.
12h04m55s
